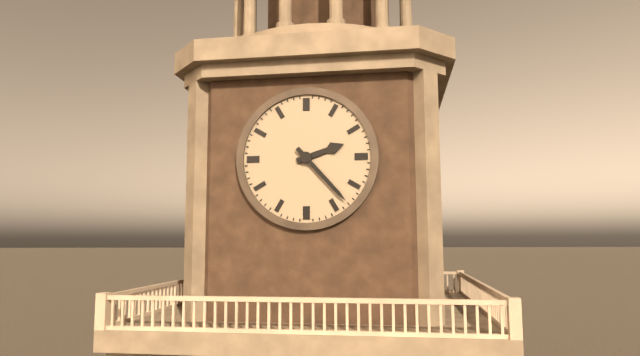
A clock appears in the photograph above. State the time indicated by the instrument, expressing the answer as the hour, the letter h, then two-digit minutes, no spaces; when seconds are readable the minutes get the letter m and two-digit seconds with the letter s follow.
2h23
